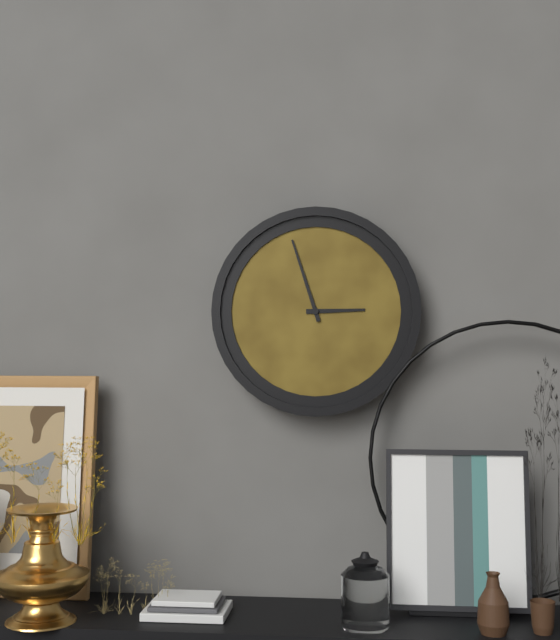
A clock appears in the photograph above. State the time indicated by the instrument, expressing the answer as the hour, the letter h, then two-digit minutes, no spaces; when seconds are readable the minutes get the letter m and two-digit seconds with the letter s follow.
2h57
